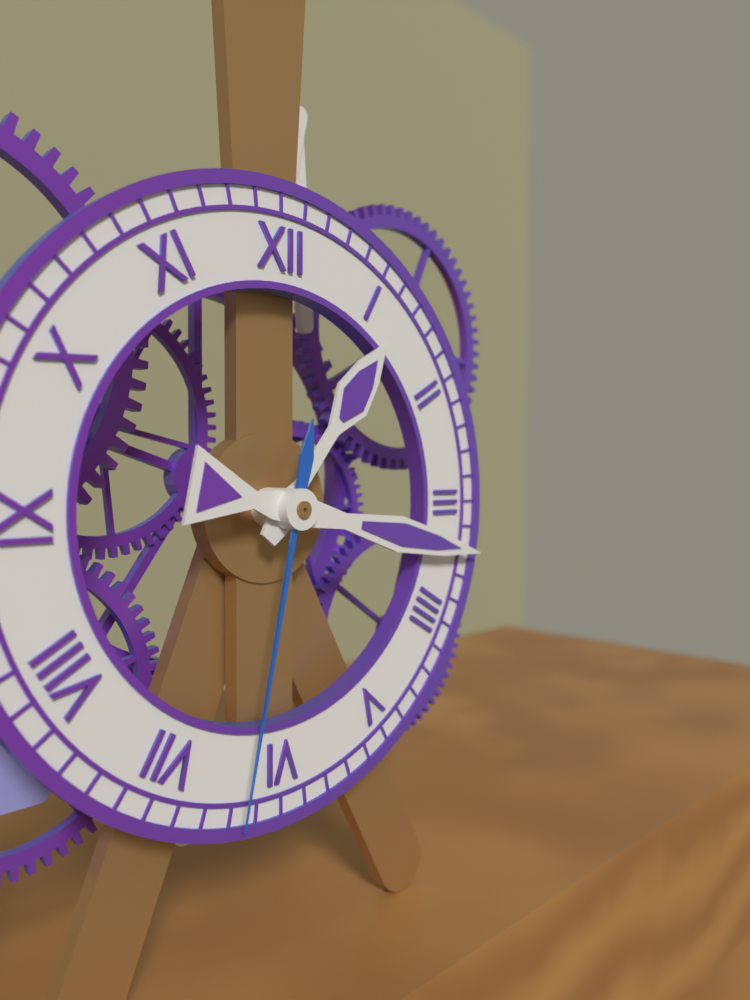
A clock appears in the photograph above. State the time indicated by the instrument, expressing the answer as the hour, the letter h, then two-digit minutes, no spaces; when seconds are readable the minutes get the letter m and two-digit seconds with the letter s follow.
1h17m32s
